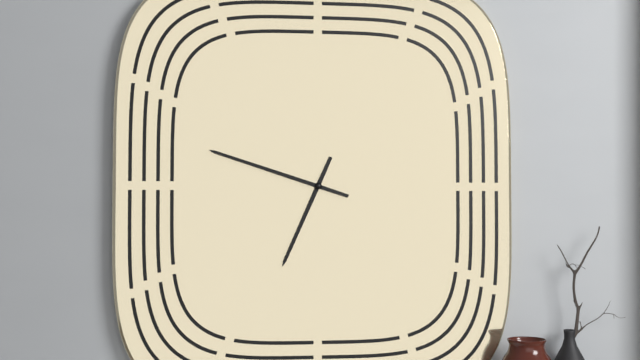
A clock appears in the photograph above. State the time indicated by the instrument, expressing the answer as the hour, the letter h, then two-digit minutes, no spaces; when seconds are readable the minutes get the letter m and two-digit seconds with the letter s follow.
6h48
